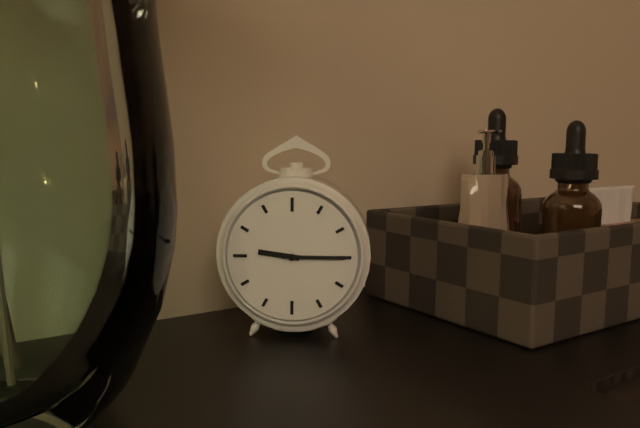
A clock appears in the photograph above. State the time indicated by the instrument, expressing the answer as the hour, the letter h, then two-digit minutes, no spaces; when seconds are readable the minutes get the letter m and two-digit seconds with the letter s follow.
9h15
